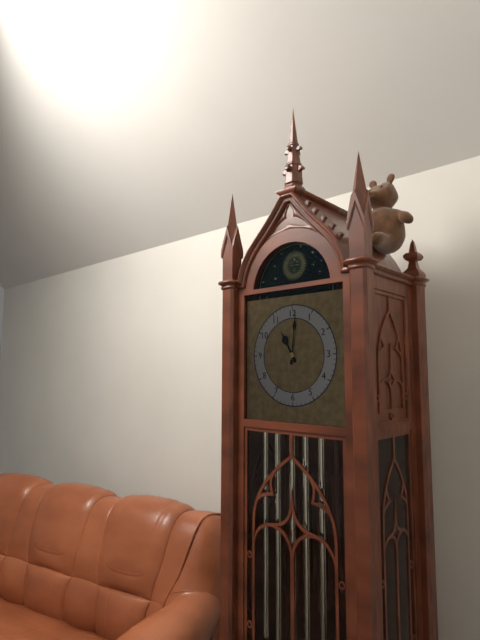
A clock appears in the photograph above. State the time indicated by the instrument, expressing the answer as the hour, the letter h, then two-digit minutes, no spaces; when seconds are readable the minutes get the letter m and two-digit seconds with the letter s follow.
11h01
